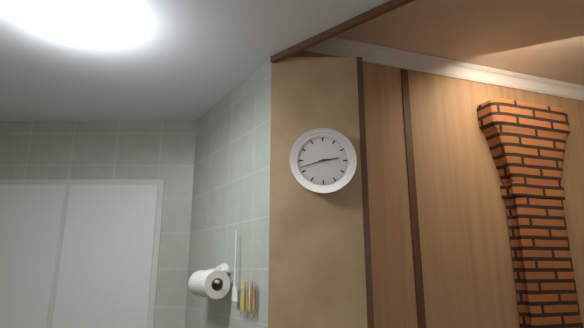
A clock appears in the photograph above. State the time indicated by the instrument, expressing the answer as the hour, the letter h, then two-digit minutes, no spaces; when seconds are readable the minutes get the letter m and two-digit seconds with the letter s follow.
2h42
